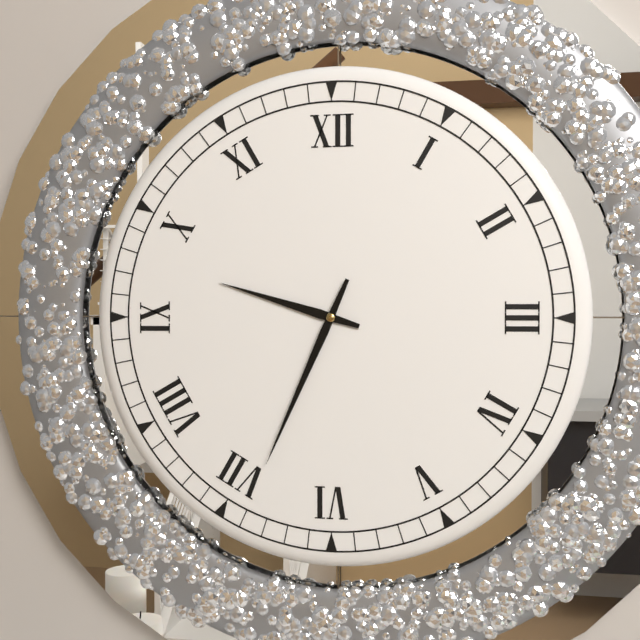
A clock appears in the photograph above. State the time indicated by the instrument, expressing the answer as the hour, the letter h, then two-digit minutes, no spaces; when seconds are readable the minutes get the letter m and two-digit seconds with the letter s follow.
9h34
